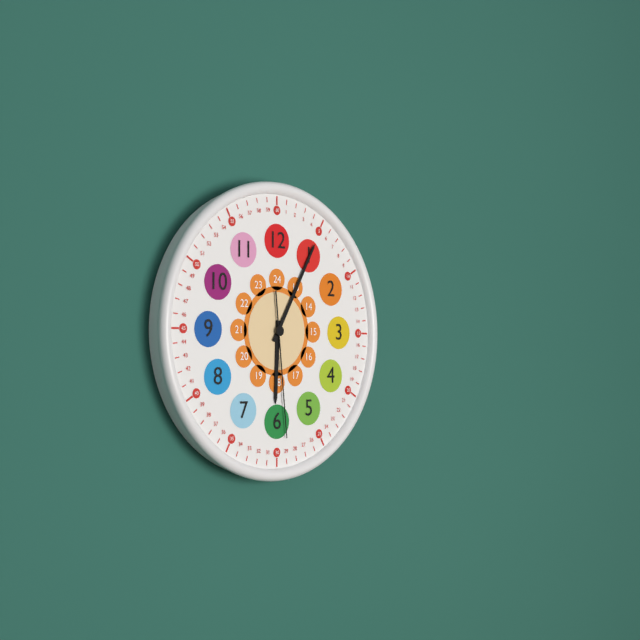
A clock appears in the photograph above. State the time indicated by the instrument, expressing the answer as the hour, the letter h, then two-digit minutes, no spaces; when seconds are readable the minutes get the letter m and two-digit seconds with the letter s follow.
6h05m29s
